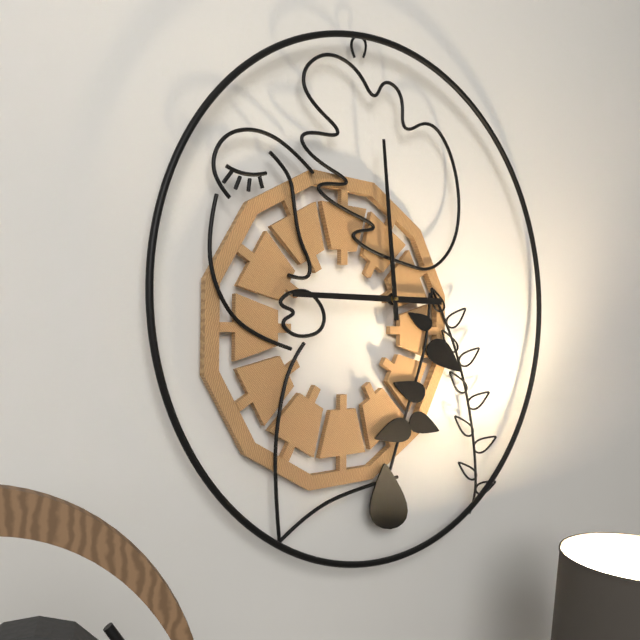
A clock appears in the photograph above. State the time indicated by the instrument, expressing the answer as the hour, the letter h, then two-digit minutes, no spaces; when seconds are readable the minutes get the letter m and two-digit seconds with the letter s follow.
8h59
